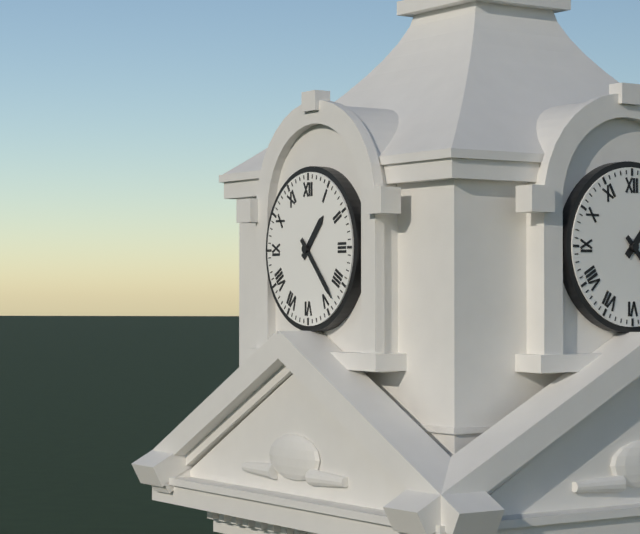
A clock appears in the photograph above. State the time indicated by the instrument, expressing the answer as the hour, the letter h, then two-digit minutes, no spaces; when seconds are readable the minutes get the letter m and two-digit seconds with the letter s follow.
1h23
